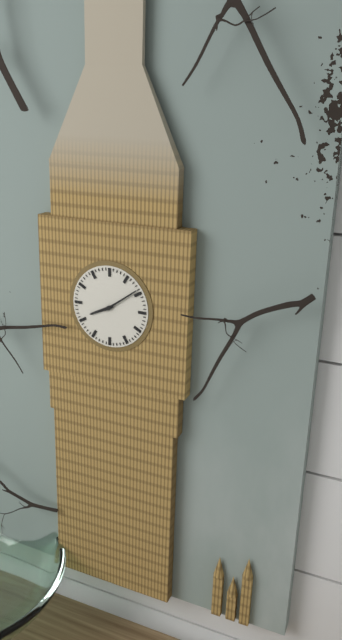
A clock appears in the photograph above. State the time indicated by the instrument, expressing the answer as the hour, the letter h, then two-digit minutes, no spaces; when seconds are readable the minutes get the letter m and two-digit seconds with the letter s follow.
8h09
